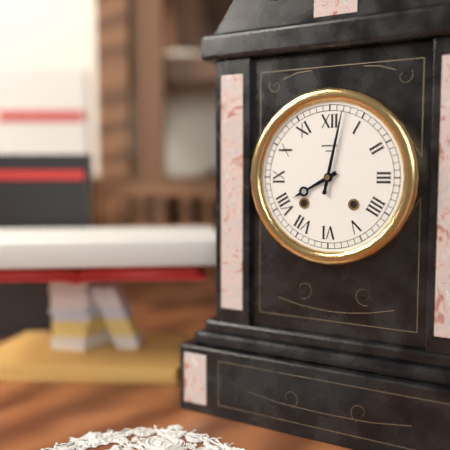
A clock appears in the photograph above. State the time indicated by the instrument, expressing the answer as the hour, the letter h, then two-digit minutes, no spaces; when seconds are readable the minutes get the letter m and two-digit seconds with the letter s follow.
8h02
